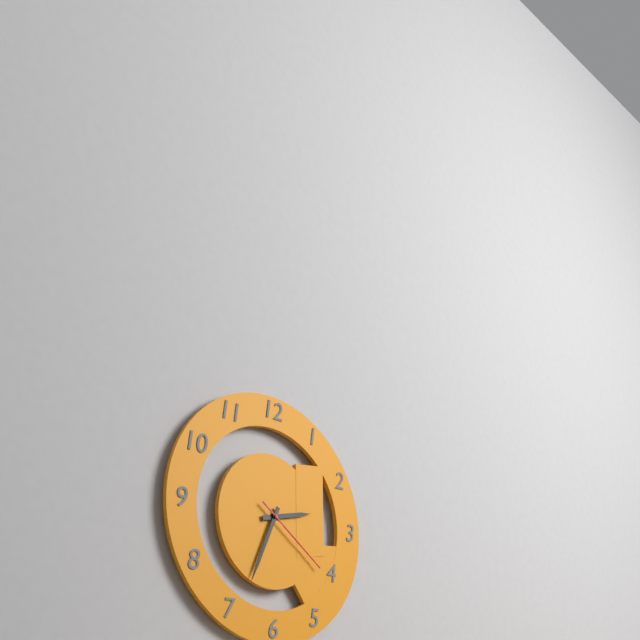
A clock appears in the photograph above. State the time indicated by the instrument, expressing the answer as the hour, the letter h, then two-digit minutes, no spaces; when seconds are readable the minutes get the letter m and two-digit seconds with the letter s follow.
2h34m21s
